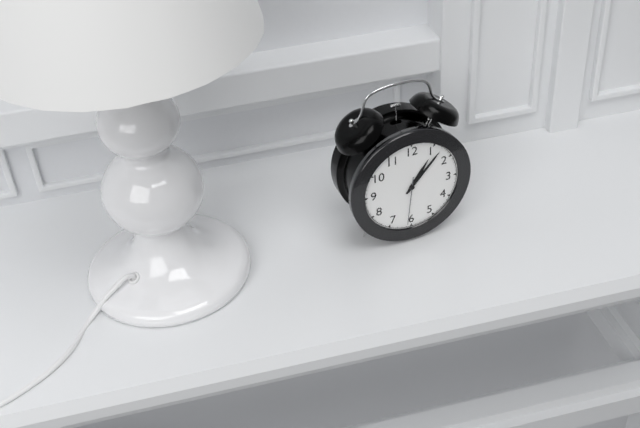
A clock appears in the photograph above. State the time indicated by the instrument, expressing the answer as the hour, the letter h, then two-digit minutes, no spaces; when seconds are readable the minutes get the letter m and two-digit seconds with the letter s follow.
1h07
